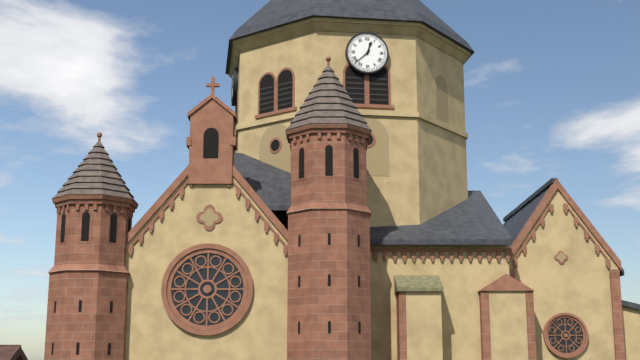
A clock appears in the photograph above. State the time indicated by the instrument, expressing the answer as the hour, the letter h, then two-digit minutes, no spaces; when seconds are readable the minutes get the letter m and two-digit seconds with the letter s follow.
12h38
